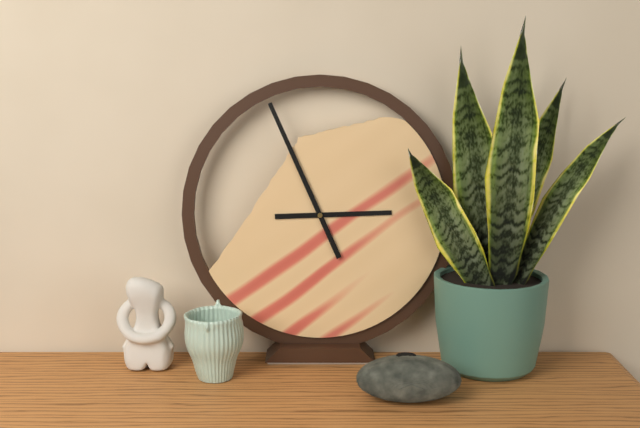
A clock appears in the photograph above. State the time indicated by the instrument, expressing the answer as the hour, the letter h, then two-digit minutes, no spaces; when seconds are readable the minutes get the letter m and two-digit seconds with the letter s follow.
2h56
